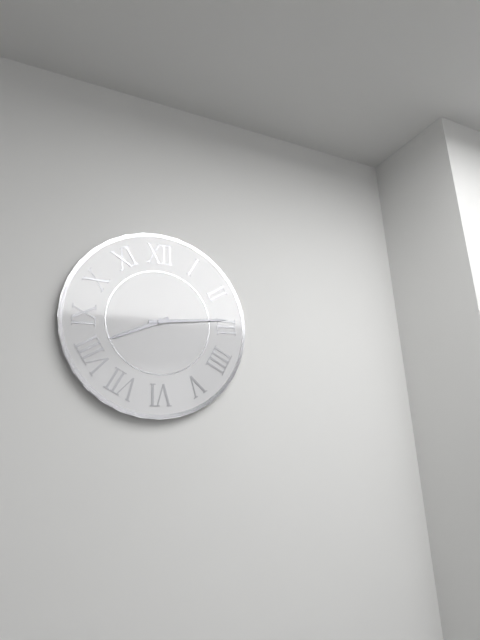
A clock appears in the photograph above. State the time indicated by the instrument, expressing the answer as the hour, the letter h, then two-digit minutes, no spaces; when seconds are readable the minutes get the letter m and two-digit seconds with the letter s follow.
8h14
